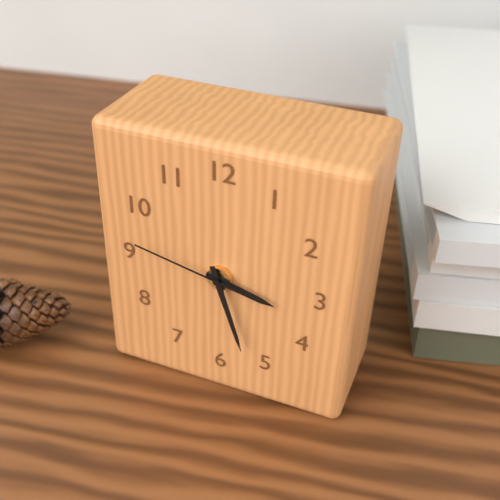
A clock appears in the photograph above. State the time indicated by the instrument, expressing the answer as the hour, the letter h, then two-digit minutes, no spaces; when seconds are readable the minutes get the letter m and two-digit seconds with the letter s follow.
3h27m47s
